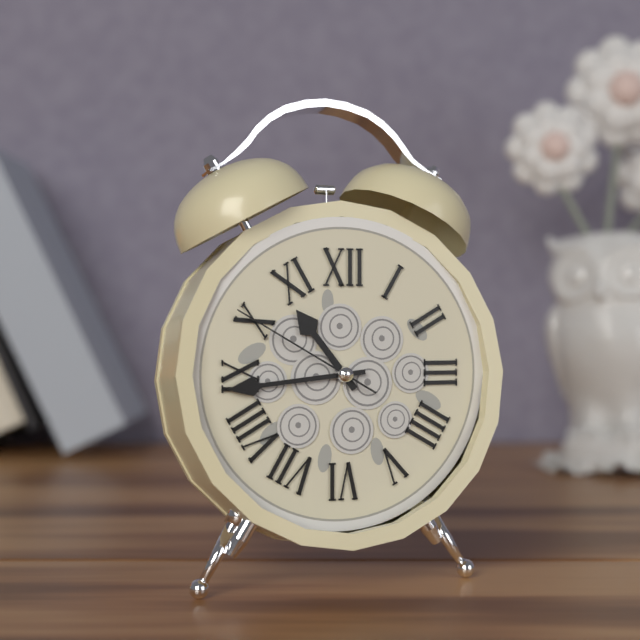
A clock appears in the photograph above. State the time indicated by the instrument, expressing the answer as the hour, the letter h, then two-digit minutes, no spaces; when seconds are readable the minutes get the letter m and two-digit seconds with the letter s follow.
10h44m50s
